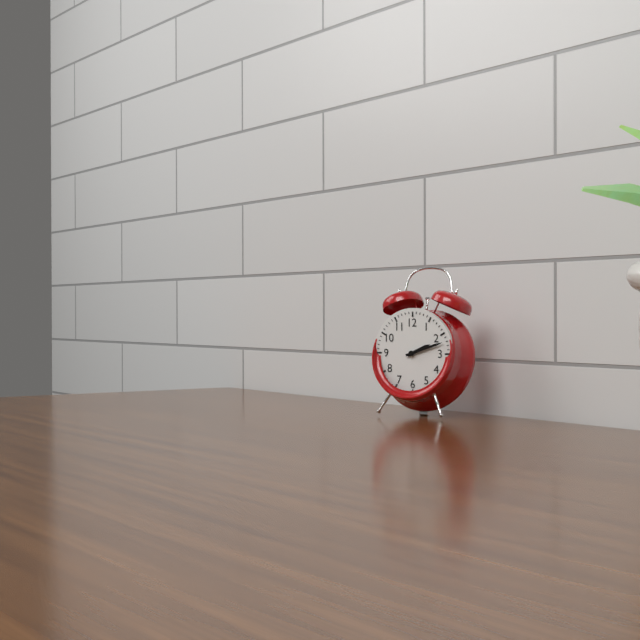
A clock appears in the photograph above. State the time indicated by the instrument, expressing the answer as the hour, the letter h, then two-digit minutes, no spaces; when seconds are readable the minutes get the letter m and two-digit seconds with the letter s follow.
2h12
